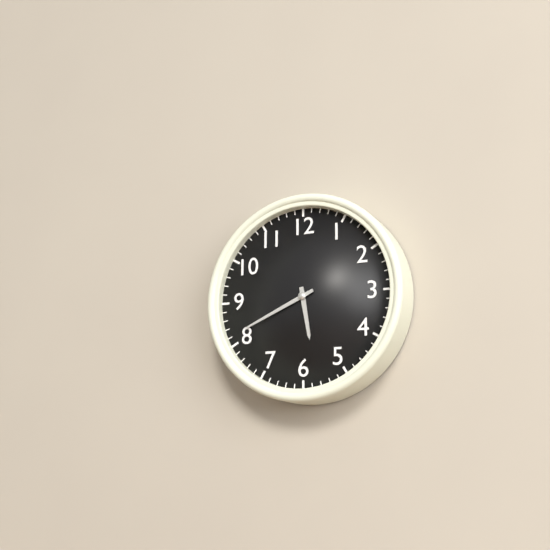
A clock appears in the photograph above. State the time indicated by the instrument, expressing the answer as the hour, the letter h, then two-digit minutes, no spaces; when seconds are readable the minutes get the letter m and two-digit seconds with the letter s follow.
5h41
